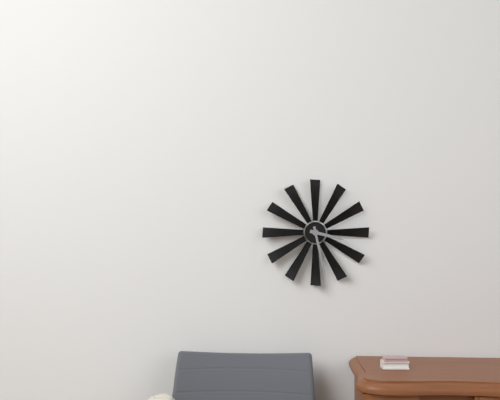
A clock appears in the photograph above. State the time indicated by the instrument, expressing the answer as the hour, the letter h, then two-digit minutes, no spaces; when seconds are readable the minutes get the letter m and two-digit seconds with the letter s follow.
3h28
